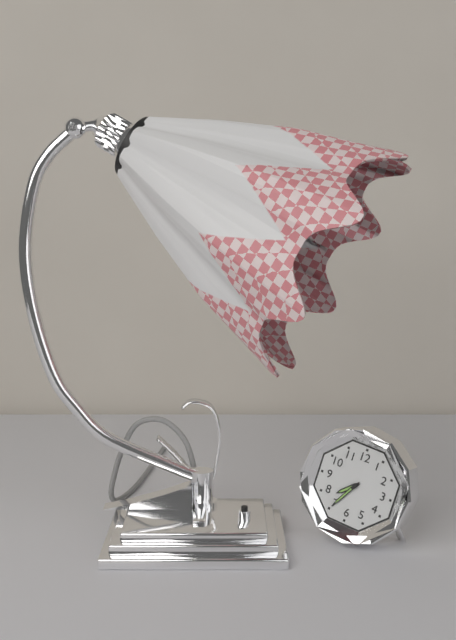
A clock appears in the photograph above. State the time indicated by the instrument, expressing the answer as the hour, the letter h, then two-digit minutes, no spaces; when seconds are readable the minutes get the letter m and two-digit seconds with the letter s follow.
7h35
